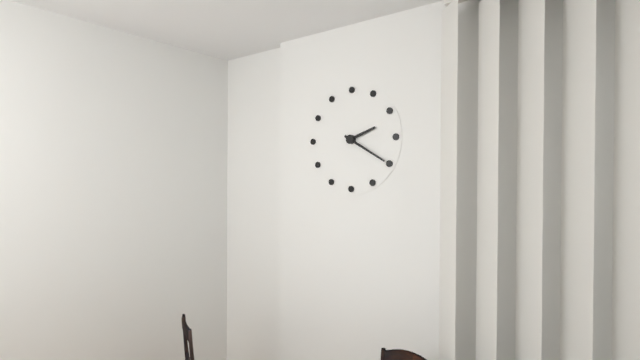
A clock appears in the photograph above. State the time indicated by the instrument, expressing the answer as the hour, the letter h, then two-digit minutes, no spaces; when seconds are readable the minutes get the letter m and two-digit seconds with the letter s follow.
2h20
